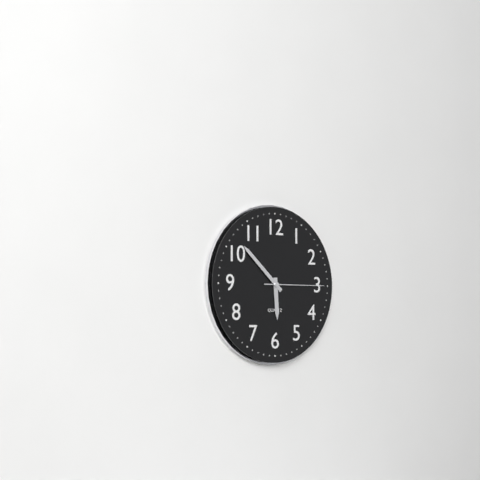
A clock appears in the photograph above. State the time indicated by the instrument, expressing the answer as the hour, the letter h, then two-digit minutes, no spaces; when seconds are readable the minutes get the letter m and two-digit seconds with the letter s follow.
5h52m15s
